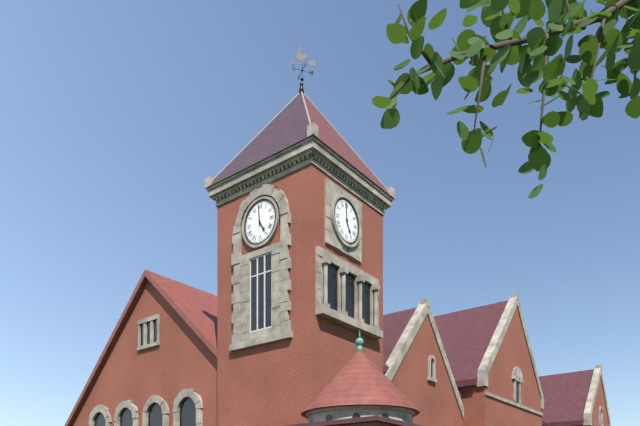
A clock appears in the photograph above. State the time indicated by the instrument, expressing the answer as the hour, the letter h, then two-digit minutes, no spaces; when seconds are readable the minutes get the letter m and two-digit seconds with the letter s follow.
4h59
